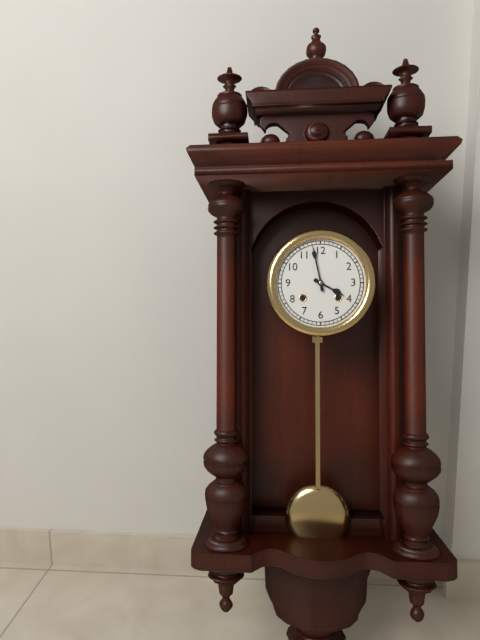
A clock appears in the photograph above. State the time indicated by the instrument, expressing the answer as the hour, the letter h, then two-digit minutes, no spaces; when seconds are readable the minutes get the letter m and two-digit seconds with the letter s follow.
3h58
